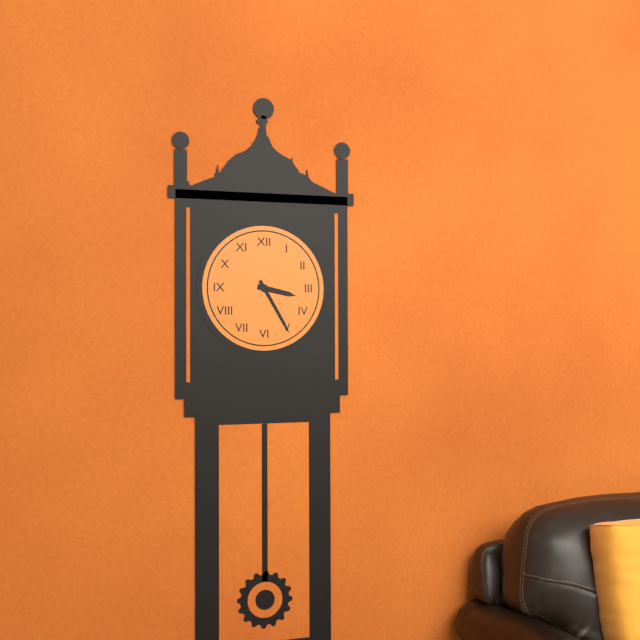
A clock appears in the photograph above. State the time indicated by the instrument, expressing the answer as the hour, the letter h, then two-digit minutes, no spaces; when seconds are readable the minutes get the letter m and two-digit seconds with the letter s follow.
3h25
